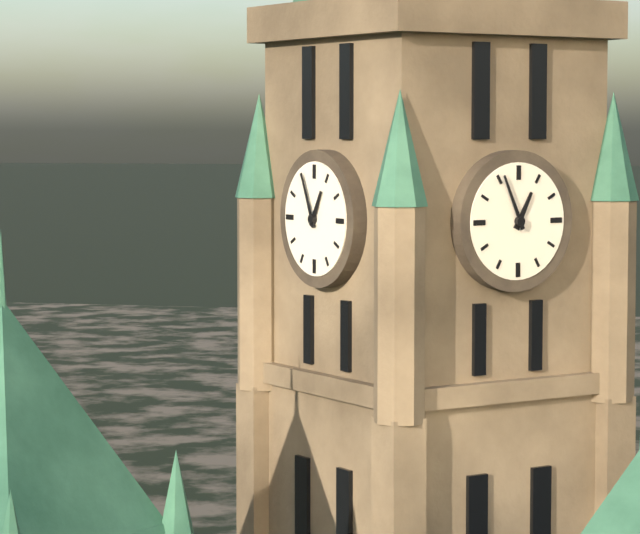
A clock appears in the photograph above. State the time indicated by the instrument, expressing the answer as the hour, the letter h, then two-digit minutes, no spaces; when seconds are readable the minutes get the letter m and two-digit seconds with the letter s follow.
12h56
